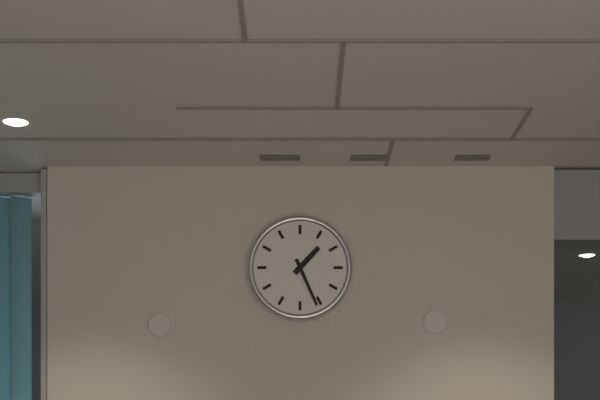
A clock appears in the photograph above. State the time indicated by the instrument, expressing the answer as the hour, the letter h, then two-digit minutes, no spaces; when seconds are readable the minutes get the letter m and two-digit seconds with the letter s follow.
1h26
